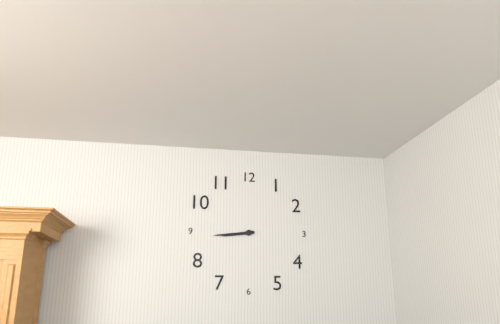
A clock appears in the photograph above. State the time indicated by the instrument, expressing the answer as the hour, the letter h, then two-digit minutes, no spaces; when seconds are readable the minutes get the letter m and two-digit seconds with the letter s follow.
8h44
